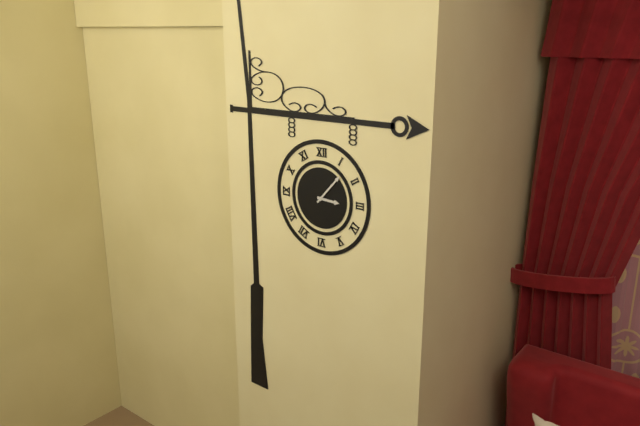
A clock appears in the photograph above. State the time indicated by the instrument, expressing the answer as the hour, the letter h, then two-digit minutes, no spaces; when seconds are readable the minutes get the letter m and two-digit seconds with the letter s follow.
3h07
